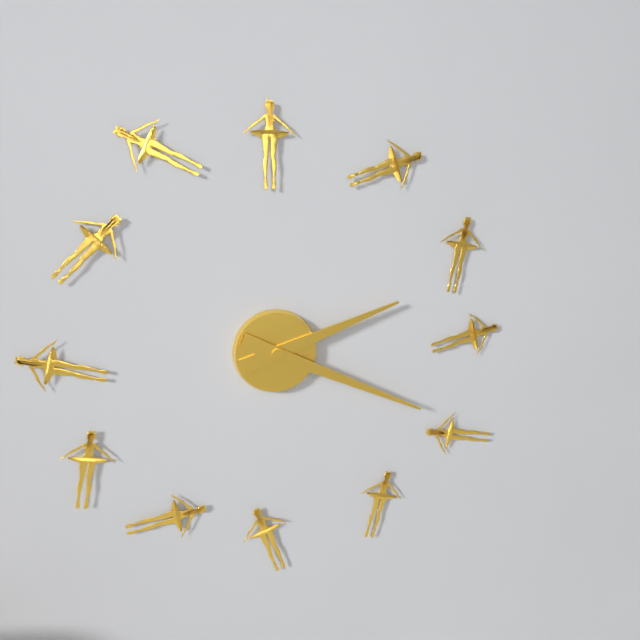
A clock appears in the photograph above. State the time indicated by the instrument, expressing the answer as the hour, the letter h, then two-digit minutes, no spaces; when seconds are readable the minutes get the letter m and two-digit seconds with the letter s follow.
2h19
